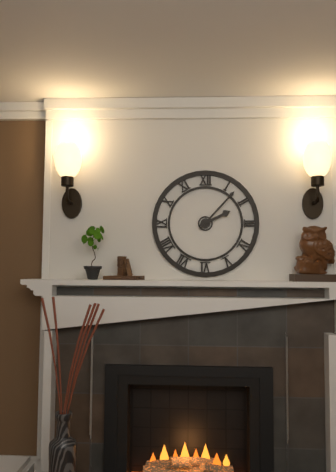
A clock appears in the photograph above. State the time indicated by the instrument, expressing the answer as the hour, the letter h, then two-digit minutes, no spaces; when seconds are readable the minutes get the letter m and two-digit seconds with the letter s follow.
2h07
